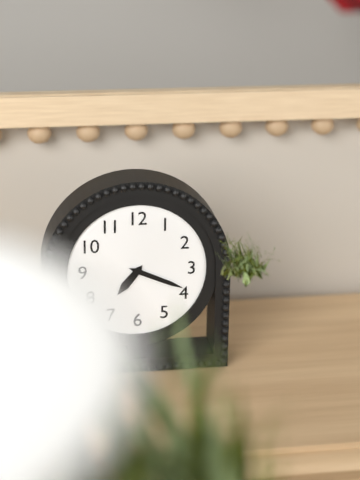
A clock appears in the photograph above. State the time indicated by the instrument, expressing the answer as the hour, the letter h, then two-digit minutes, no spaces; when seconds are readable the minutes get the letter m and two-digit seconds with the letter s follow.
7h19
